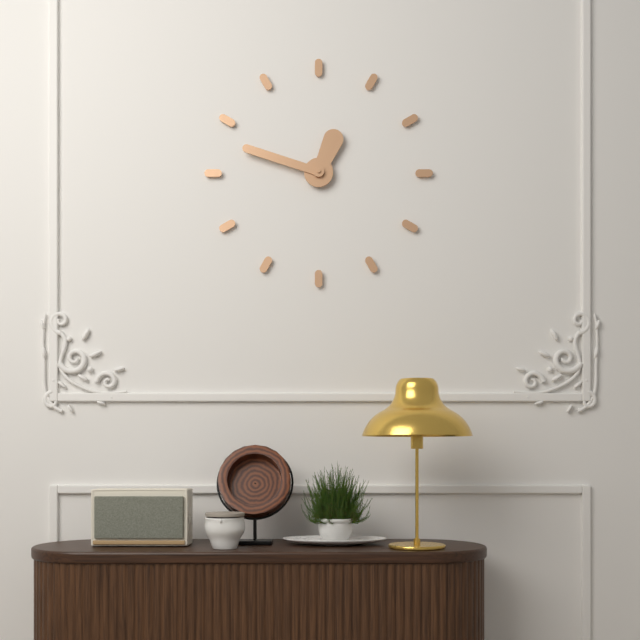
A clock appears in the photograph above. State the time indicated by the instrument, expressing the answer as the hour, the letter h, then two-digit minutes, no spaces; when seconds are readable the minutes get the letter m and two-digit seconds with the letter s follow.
12h48
